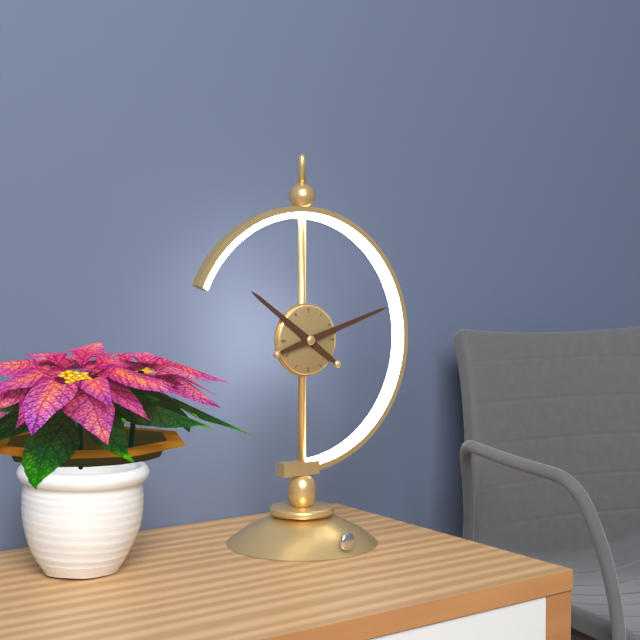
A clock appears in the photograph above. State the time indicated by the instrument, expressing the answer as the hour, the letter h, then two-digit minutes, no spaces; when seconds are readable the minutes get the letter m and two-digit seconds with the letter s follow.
10h12
